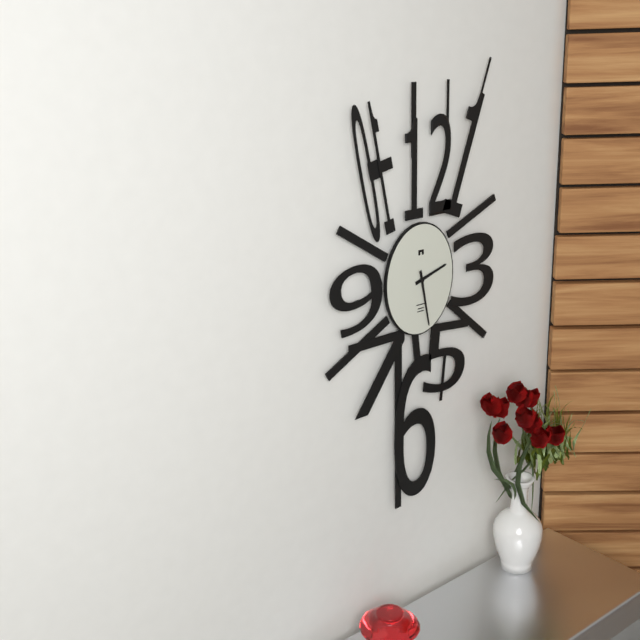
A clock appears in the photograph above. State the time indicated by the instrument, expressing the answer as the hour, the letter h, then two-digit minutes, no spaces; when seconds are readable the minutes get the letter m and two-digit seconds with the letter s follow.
2h28
